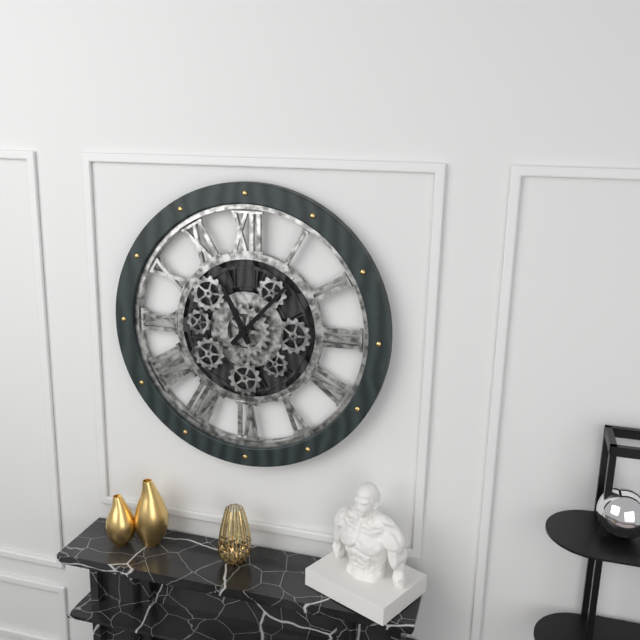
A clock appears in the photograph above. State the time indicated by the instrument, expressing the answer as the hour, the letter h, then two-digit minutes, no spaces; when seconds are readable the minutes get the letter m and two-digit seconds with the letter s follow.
11h07
